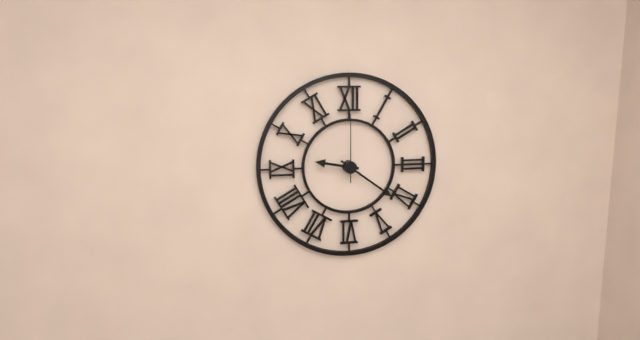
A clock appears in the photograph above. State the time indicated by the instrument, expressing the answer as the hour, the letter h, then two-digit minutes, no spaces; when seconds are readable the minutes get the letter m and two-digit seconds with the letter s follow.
9h21m00s
